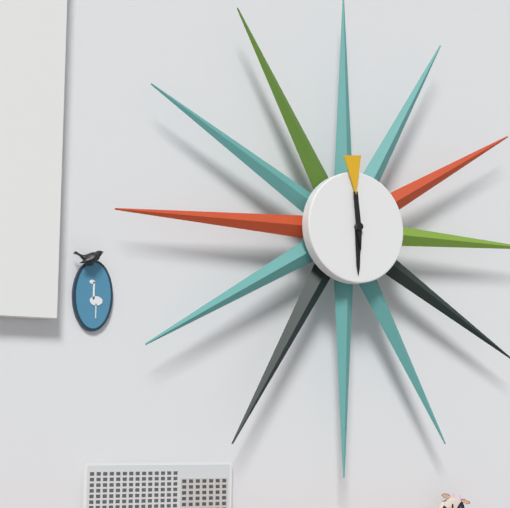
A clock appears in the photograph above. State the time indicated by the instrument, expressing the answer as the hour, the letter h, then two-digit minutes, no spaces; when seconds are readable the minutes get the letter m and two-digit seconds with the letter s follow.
5h59
